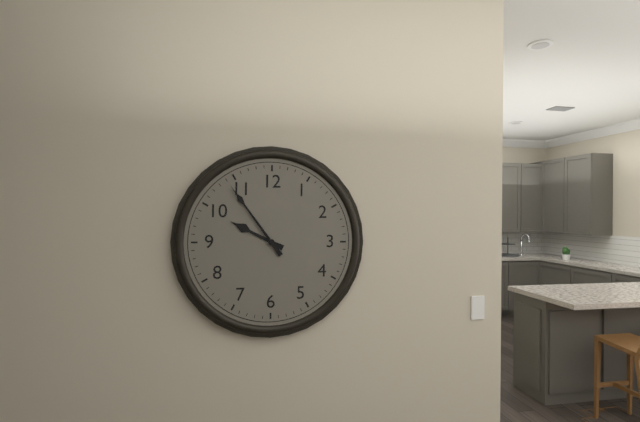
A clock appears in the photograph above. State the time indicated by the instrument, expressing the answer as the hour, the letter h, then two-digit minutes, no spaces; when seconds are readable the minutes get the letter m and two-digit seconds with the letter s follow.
9h54
